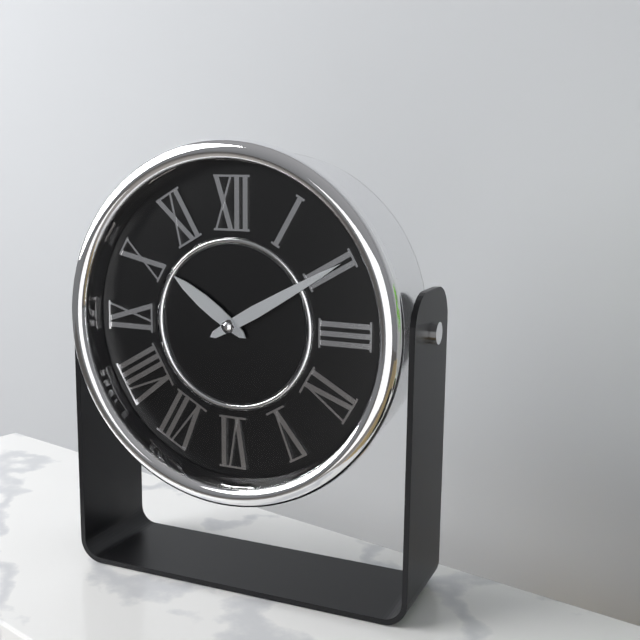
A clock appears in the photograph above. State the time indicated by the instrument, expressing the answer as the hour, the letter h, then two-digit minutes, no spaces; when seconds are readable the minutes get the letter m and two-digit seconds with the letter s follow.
10h10
